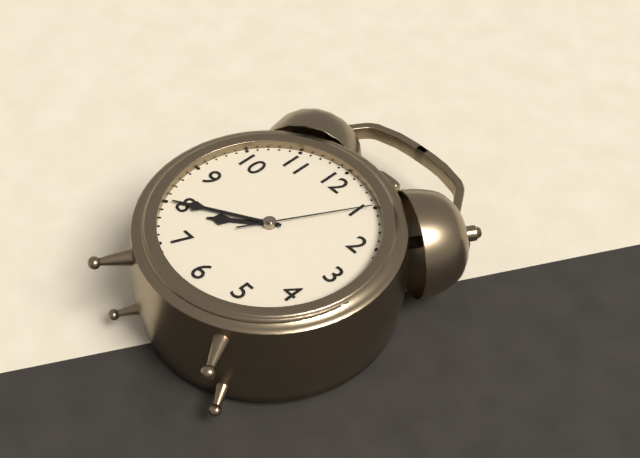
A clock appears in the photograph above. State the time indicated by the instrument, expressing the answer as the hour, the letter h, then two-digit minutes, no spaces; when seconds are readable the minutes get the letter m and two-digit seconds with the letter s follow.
7h40m05s
